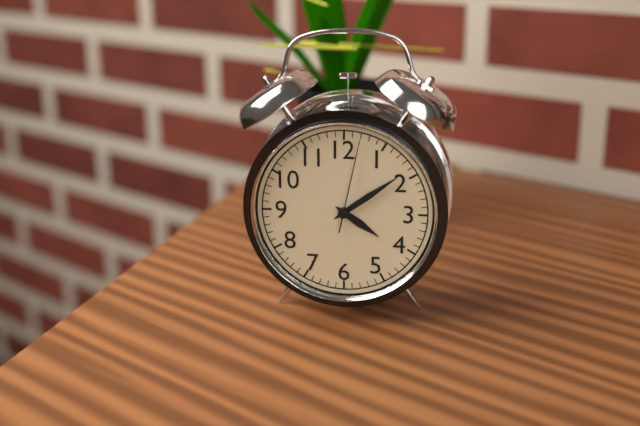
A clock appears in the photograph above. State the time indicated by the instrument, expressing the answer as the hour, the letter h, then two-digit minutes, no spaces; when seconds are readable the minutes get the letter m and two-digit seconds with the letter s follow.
4h09m02s
